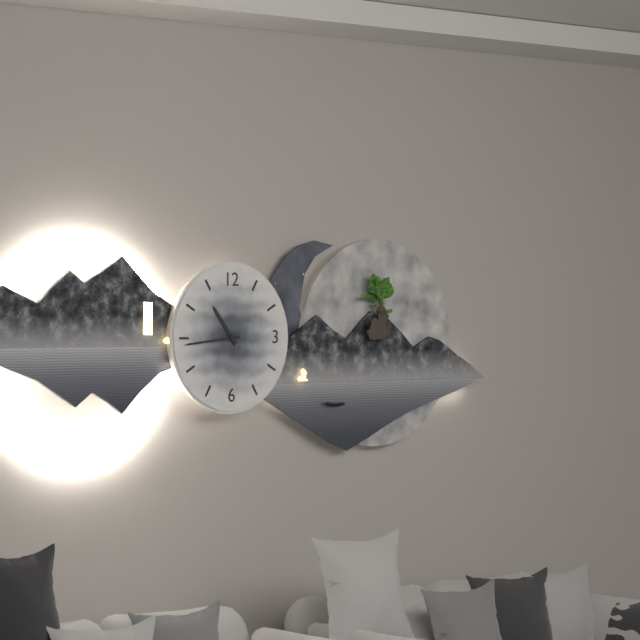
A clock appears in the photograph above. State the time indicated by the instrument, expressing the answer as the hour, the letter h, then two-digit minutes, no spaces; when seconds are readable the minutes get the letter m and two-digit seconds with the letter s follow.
10h44
